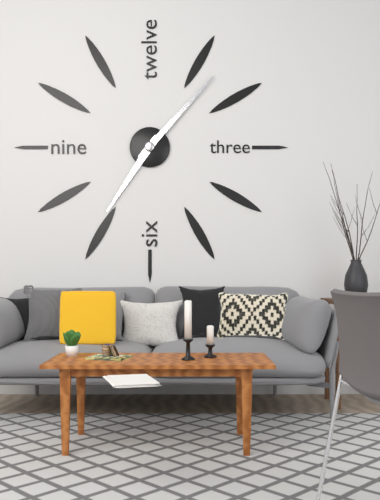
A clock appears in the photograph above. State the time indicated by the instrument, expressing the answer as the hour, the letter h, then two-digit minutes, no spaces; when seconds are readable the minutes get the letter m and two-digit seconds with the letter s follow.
7h07
